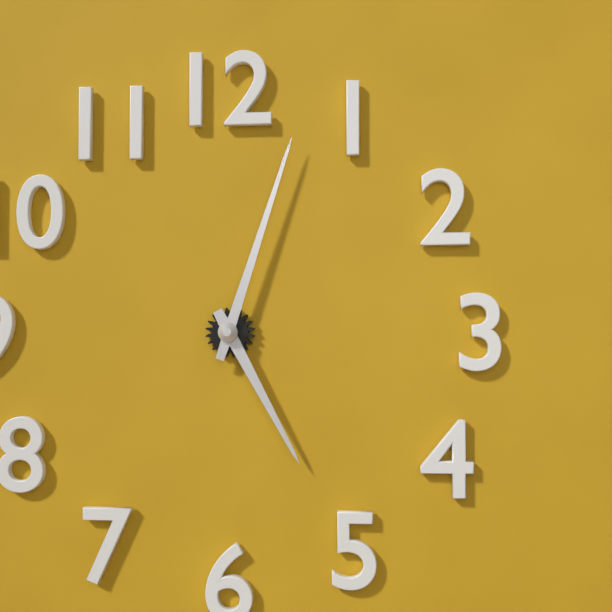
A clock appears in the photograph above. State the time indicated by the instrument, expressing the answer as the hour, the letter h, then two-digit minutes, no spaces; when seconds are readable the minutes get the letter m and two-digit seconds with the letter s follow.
5h03
